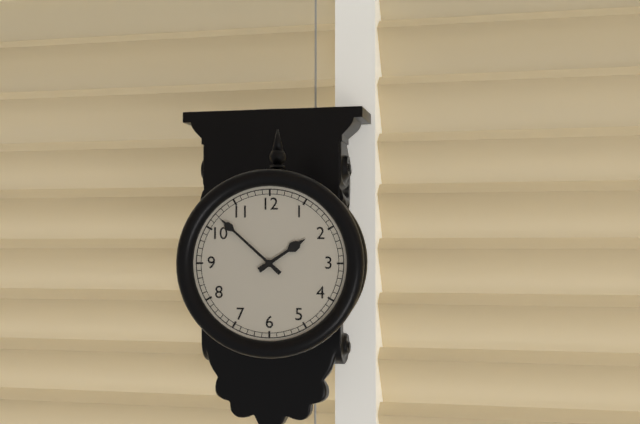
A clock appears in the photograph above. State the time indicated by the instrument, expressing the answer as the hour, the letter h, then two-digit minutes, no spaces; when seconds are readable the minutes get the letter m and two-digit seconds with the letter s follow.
1h52
